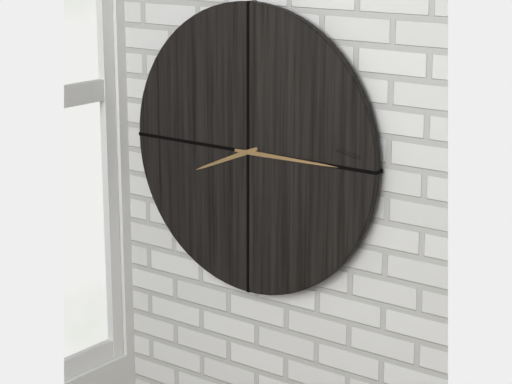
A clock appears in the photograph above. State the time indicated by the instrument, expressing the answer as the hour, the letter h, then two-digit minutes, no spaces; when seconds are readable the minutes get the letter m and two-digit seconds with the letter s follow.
8h15
